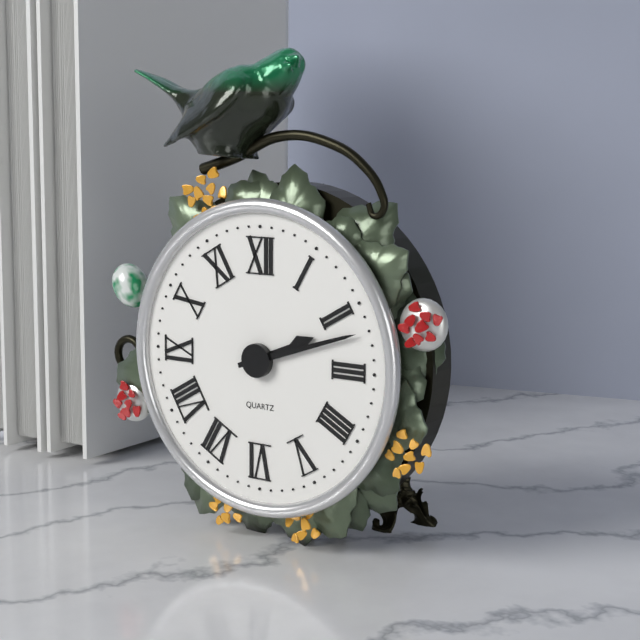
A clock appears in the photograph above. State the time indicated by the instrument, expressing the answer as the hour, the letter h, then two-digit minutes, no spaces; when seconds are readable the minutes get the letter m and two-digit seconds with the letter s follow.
2h12
